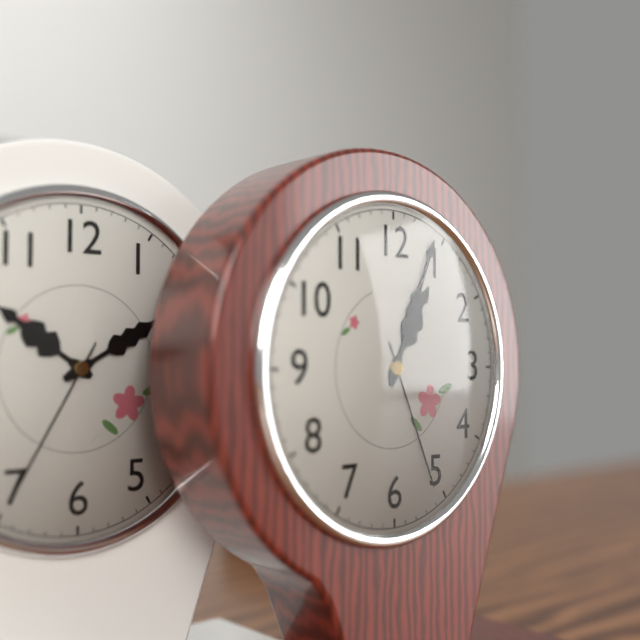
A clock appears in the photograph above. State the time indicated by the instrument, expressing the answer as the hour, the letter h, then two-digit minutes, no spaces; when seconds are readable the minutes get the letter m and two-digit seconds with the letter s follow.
1h04m26s
